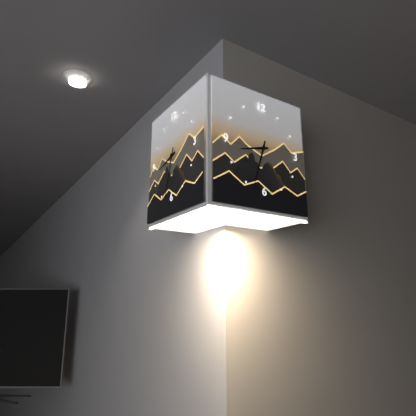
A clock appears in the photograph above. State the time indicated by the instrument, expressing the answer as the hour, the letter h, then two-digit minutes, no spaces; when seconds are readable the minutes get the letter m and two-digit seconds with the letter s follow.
8h33
